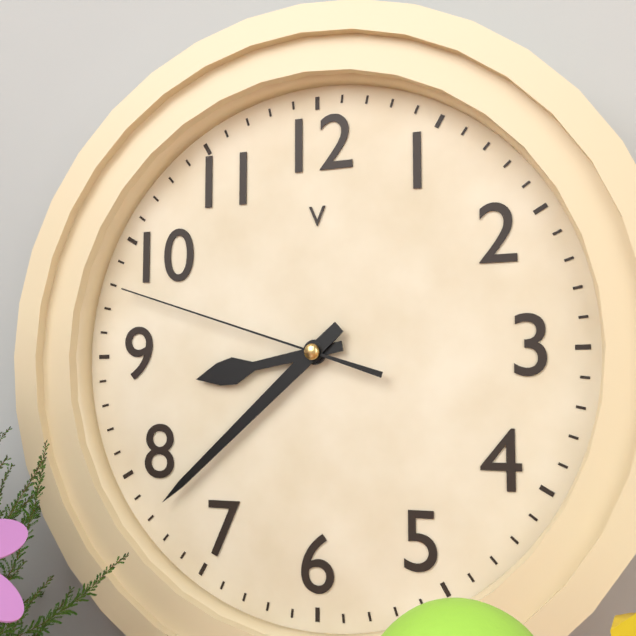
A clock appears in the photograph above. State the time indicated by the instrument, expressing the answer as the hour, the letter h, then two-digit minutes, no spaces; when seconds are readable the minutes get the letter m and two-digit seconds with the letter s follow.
8h38m48s
